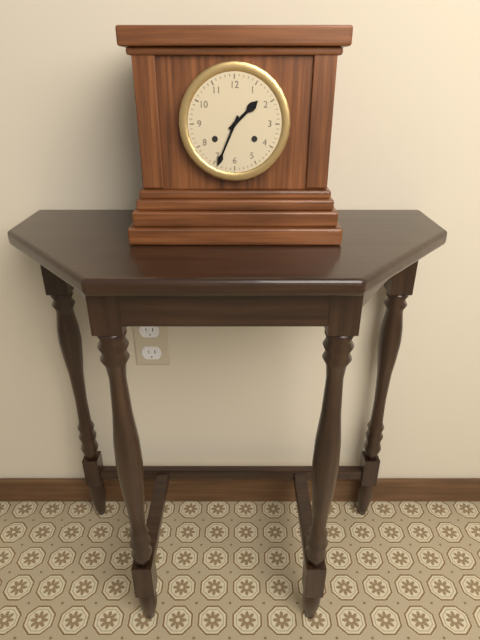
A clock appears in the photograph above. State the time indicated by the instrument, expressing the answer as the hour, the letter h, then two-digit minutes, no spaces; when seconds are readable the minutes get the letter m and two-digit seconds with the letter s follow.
1h34
